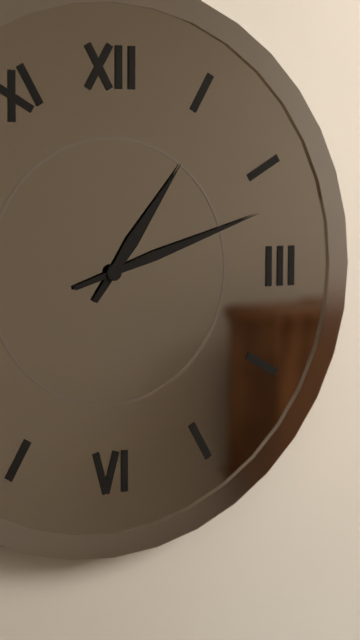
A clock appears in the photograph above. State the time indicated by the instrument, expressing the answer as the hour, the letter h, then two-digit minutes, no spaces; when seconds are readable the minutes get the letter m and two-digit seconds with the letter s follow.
1h12
